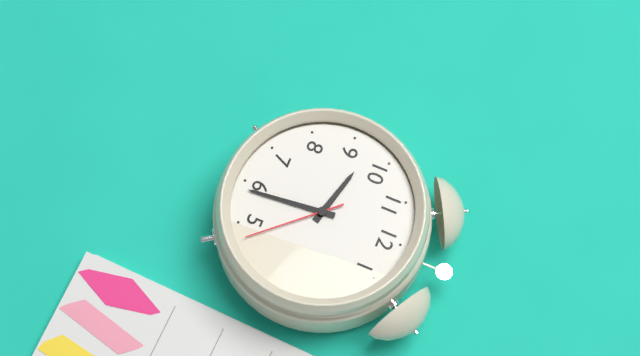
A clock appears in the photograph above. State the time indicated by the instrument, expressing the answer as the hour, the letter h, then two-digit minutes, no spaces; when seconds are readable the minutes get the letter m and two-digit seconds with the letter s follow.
9h29m23s
